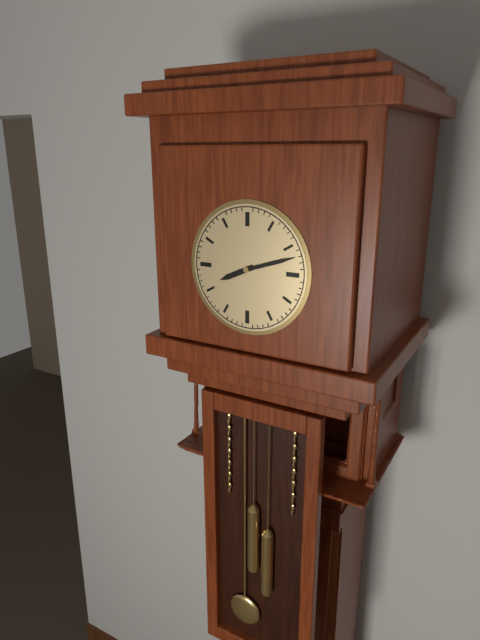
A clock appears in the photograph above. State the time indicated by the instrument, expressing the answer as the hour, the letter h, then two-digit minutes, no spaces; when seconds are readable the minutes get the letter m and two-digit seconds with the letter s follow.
8h12
